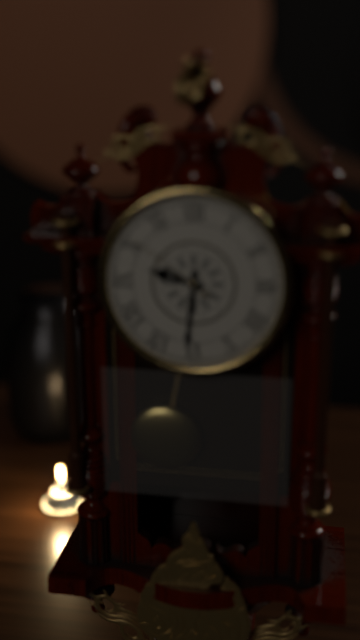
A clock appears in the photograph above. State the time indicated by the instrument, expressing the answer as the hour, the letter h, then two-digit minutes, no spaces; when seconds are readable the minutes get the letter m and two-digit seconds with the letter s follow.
9h31m51s
